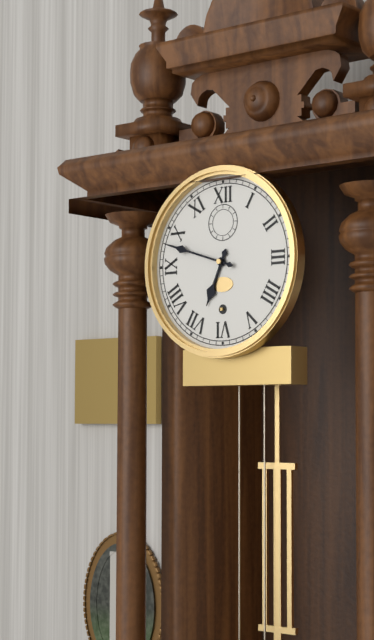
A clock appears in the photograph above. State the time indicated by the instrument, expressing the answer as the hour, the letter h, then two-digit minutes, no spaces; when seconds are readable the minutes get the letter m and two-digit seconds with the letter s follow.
6h48
